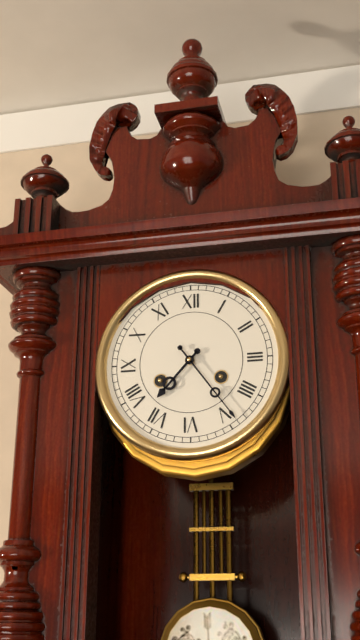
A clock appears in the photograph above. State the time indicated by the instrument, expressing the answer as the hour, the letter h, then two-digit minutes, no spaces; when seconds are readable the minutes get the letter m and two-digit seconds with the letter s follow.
7h24
